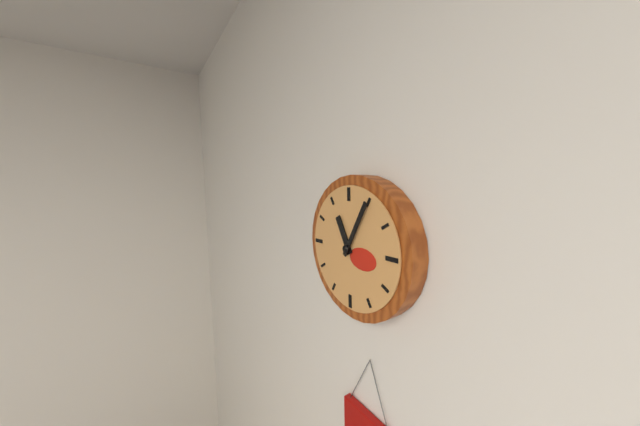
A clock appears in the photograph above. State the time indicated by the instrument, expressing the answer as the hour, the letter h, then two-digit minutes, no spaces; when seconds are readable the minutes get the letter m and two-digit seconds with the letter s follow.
11h05
